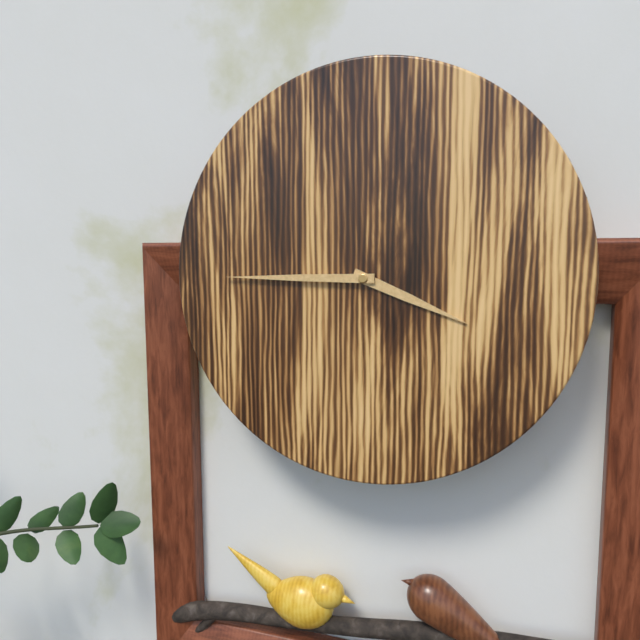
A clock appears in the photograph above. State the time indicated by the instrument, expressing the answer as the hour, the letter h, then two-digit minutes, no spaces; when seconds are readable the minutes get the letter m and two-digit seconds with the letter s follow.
3h45
